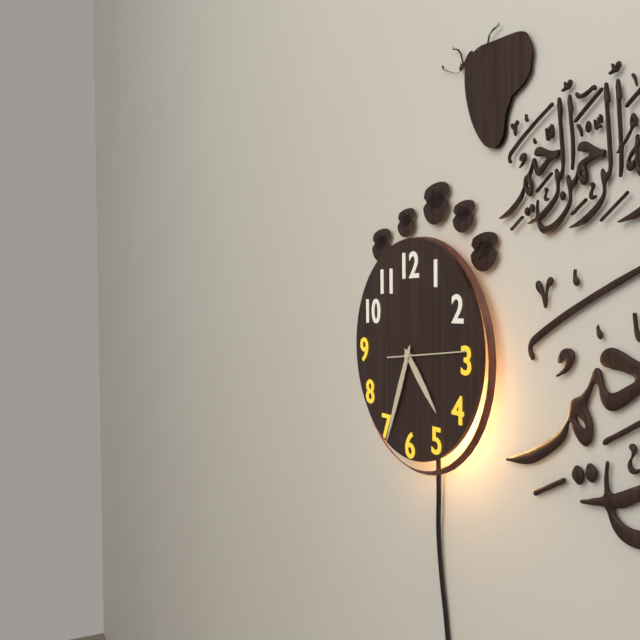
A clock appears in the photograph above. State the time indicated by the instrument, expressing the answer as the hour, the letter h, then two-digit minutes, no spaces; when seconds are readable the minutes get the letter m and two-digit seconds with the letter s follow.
4h34m14s
